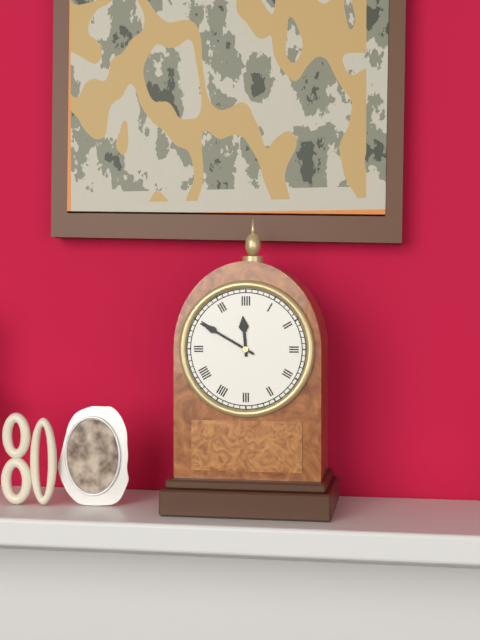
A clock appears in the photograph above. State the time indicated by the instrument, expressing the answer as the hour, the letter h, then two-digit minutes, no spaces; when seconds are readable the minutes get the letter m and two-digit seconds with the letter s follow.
11h50
